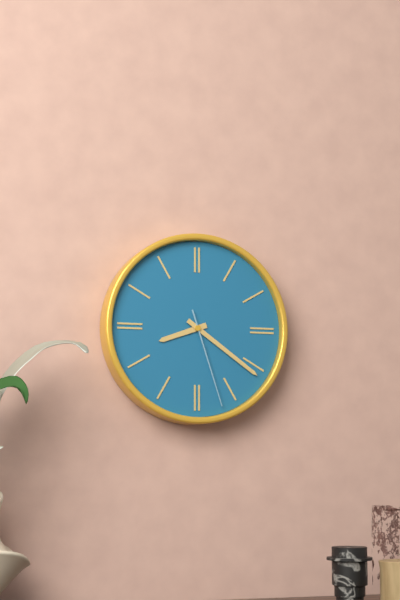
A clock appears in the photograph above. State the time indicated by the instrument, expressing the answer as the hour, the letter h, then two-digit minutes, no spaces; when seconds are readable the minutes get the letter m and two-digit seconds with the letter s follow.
8h21m27s
